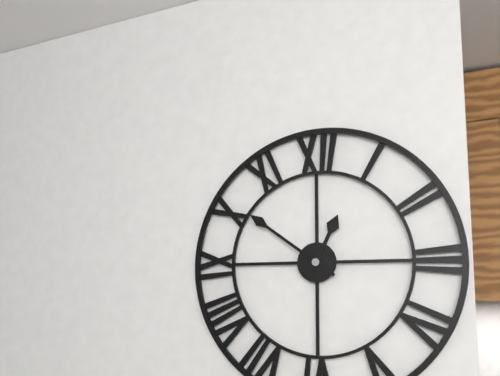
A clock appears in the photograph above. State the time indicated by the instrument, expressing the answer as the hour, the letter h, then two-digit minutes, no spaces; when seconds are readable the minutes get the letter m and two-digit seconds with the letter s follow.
12h51
